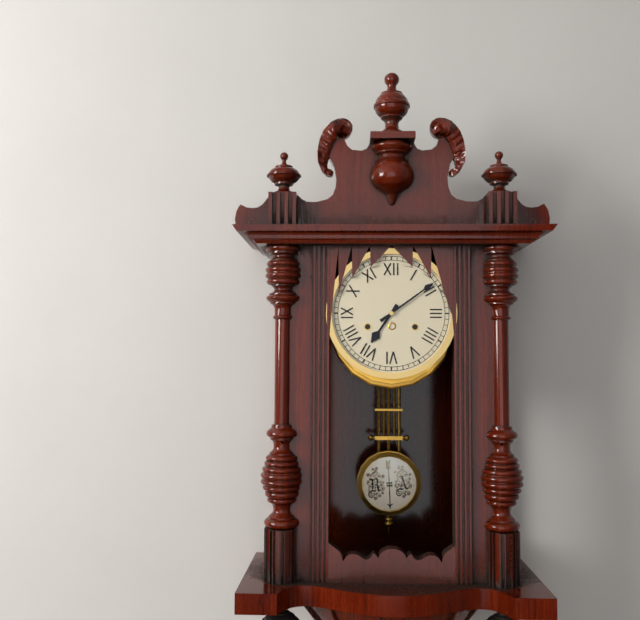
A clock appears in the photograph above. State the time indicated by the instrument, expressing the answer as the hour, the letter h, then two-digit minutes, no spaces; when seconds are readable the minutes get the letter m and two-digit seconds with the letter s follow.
7h09
